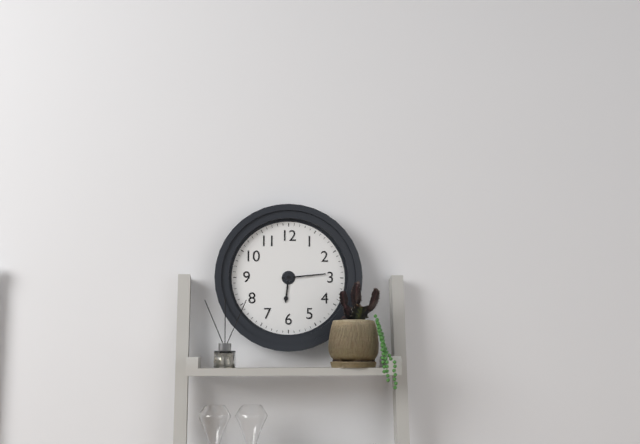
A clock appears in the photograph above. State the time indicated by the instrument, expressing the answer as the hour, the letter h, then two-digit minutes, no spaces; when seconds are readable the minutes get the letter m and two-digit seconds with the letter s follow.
6h14
